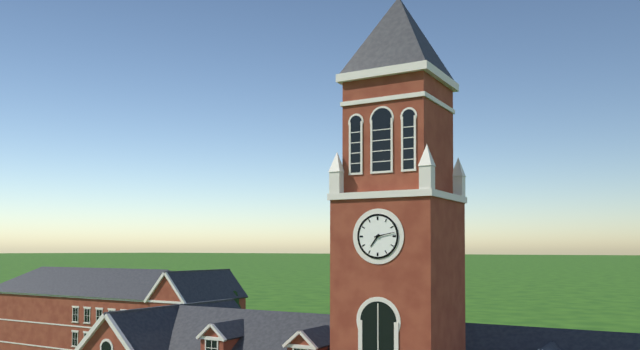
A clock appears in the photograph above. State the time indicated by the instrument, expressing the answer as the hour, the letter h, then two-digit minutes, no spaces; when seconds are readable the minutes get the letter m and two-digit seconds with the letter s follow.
7h13
